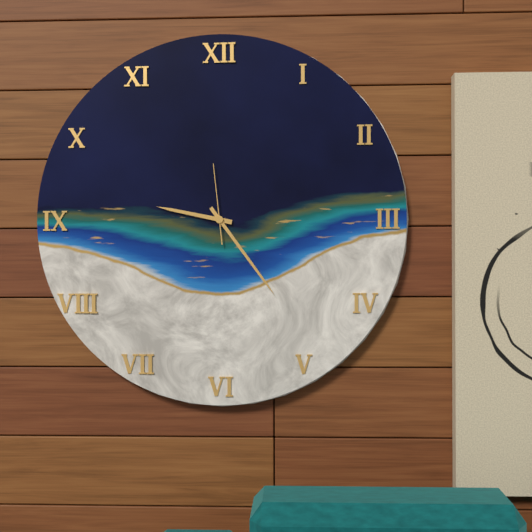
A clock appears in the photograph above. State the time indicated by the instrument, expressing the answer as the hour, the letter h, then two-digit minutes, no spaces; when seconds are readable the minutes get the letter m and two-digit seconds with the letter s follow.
9h24m59s
